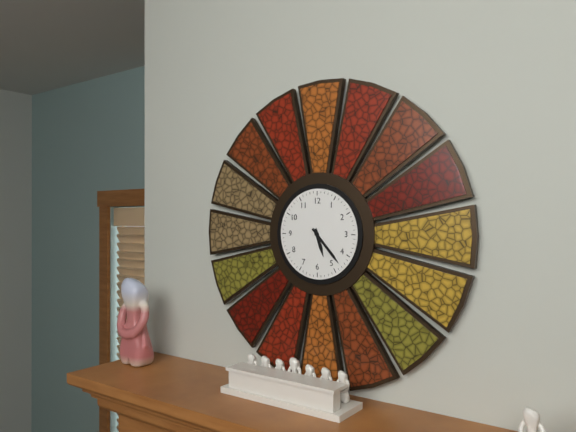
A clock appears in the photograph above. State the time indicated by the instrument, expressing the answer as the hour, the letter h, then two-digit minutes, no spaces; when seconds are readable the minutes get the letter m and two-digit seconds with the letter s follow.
5h23
